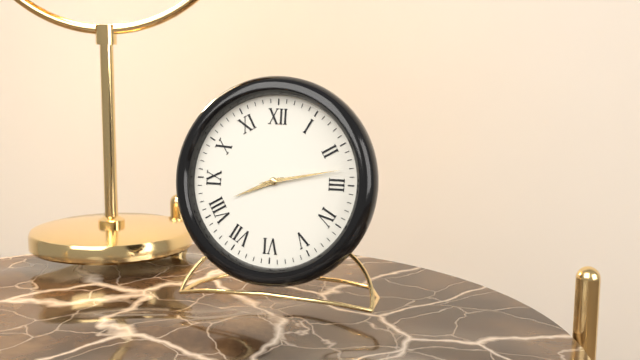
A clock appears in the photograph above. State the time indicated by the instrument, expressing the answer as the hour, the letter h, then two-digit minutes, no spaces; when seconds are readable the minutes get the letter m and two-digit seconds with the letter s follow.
8h13
